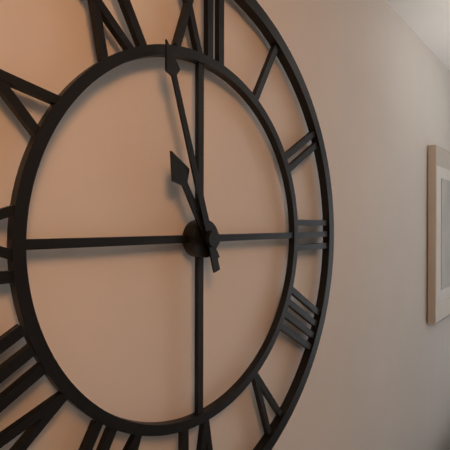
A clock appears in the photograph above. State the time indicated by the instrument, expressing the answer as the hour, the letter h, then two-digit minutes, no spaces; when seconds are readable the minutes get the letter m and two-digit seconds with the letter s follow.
10h57
